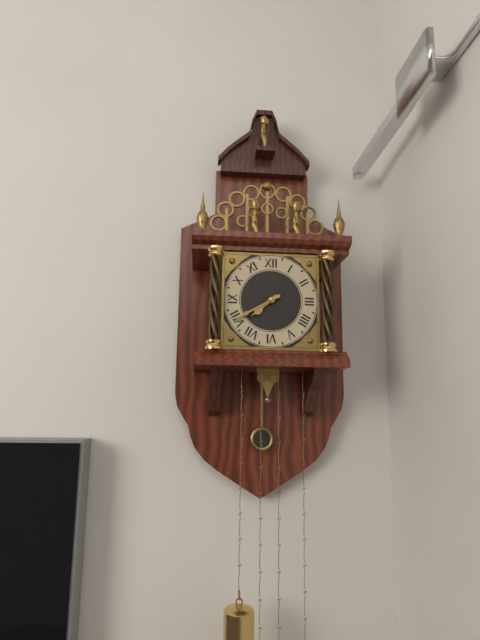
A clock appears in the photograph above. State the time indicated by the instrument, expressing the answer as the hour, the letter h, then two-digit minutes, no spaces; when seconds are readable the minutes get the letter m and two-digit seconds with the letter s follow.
7h40
